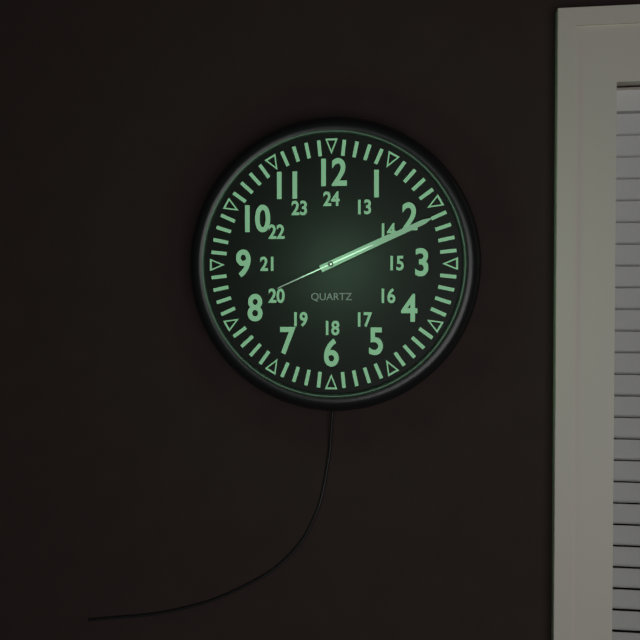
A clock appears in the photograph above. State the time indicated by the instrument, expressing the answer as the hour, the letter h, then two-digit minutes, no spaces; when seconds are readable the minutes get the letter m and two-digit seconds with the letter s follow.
2h11m41s
